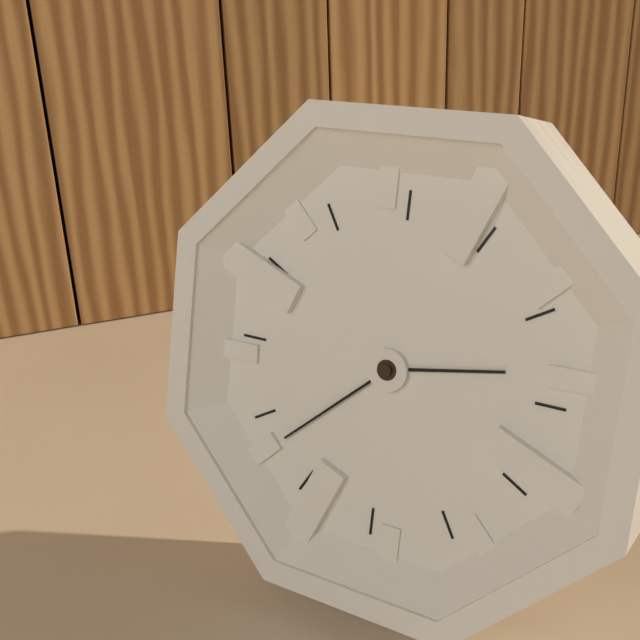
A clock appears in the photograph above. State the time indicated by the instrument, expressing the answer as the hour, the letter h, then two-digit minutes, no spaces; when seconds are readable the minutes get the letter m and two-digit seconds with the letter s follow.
2h38
